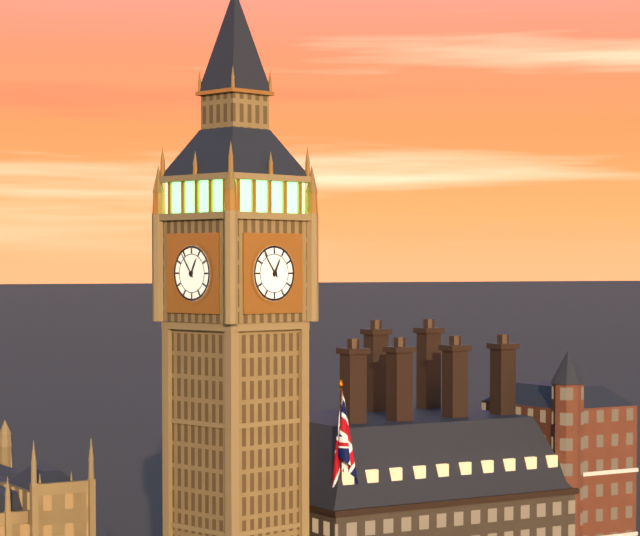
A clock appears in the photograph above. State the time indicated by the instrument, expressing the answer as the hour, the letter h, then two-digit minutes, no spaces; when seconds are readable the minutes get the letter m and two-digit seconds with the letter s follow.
12h54
